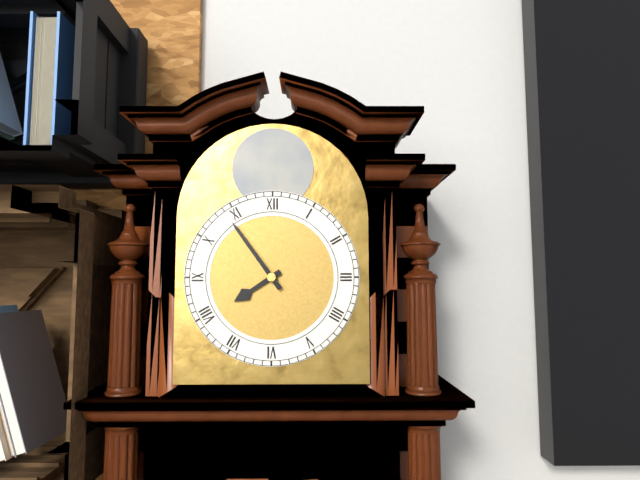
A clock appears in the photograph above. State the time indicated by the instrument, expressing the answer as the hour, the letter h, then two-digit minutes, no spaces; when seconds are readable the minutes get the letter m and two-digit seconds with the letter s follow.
7h54
